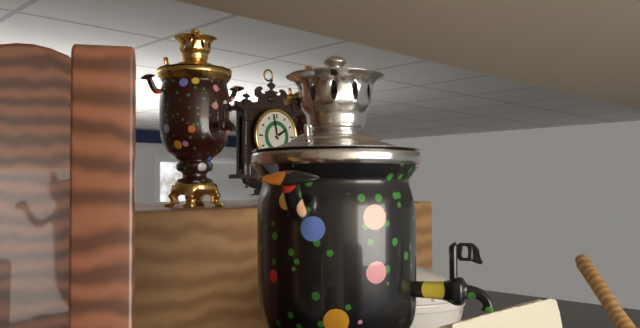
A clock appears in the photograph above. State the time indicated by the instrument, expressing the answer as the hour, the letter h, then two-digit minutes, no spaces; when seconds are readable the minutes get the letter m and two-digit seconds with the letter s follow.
1h58
